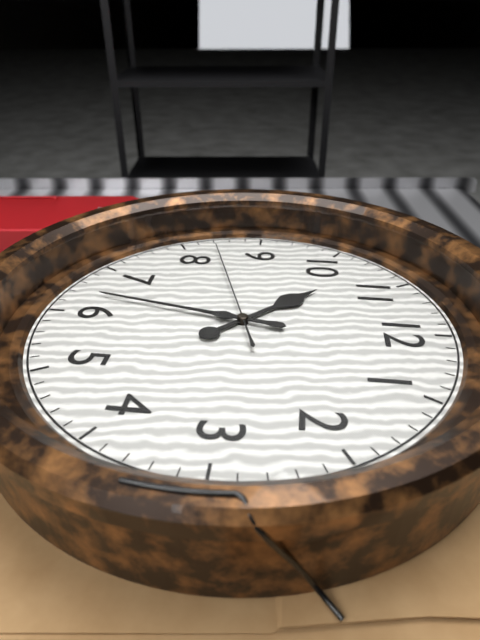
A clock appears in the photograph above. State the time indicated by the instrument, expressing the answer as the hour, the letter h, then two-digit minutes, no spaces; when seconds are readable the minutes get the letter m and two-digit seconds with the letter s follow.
10h32m42s
